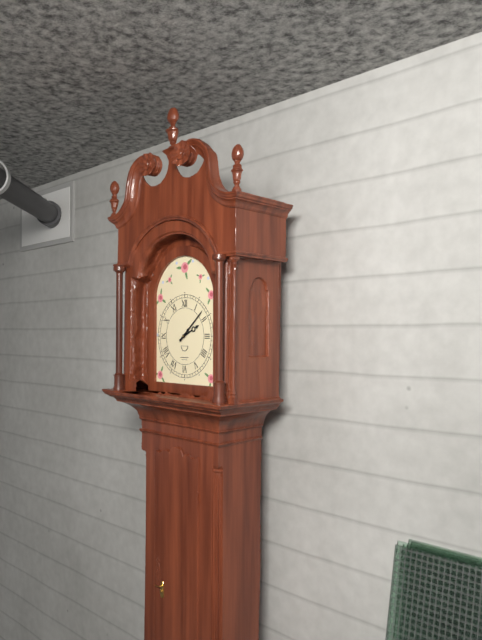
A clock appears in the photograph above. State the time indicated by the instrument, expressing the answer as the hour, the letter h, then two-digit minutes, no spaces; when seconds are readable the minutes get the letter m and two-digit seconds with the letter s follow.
2h08
